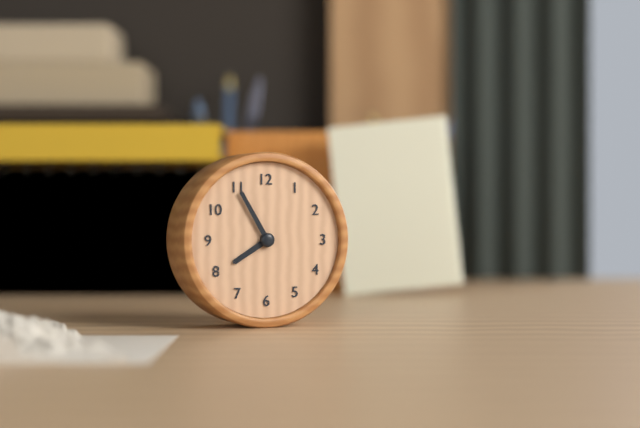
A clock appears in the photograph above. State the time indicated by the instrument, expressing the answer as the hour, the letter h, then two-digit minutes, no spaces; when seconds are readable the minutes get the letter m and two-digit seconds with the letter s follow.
7h55
